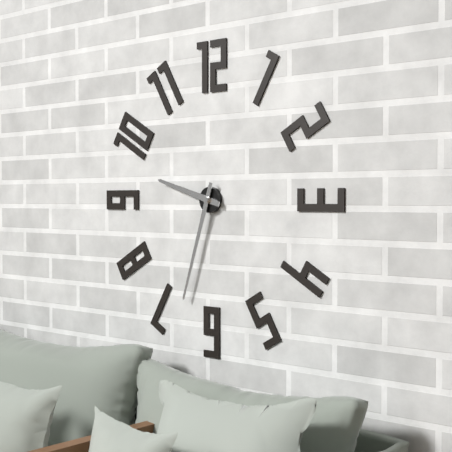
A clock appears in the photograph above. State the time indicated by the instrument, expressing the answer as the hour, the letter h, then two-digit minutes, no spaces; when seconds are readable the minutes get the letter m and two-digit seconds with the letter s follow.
9h33
